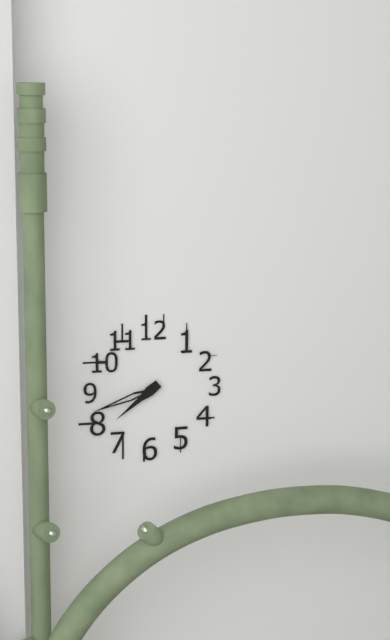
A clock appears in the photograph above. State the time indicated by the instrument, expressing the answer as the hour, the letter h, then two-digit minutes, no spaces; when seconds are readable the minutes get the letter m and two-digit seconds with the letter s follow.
7h42
